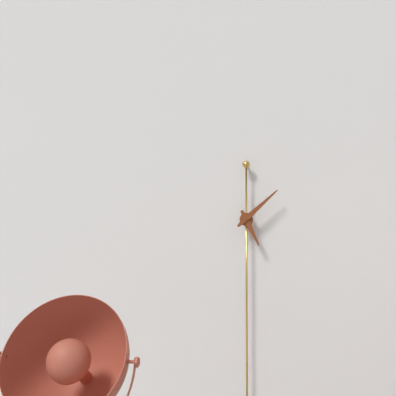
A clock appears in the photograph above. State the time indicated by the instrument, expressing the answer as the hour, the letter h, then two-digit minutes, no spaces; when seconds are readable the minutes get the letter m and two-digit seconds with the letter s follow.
5h08
